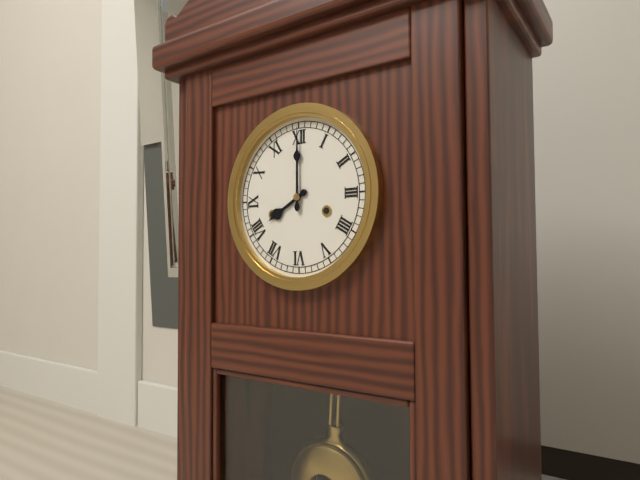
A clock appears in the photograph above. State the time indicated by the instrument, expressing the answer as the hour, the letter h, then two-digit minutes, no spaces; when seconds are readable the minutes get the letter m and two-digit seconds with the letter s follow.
8h00
